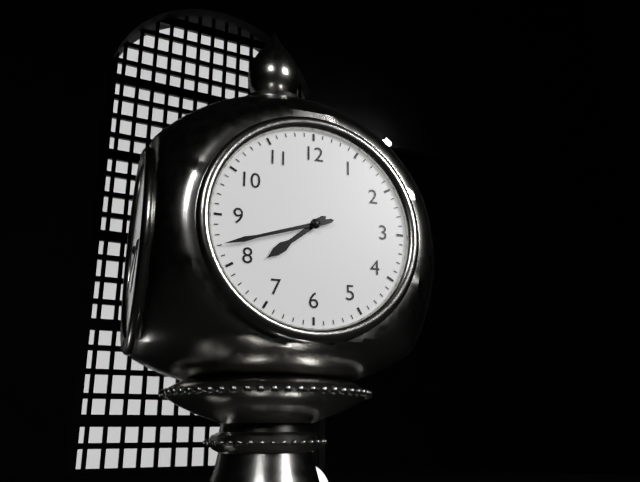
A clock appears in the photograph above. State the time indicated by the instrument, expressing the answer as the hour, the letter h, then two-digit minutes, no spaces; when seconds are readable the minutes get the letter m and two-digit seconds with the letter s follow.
7h42
